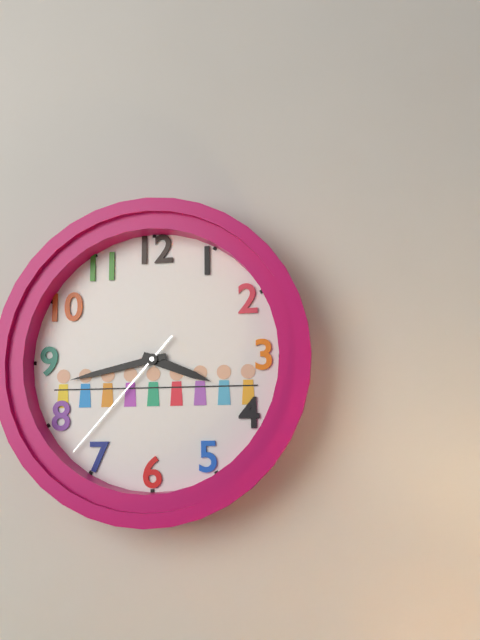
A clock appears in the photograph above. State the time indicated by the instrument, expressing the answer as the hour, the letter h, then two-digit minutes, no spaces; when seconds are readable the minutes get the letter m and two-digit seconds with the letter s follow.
3h43m37s
